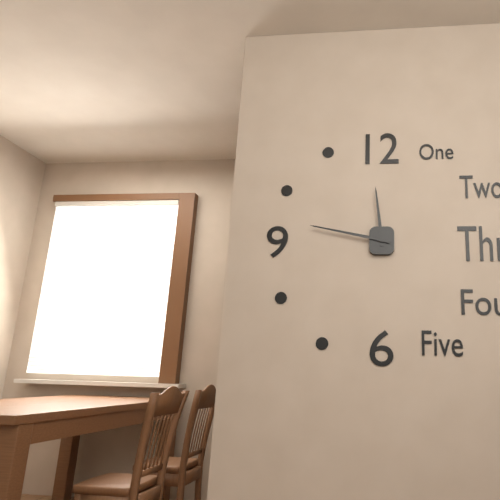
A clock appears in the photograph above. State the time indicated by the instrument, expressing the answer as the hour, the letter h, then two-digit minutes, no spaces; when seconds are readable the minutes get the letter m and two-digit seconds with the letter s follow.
11h47
